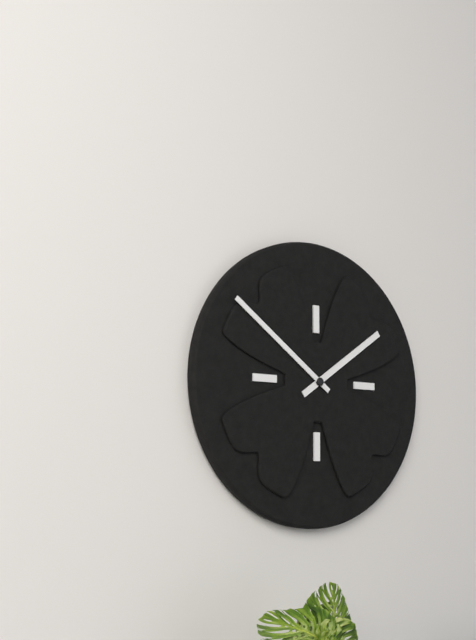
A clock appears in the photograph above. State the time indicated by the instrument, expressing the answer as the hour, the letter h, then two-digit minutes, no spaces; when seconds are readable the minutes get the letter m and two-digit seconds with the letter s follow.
1h51
